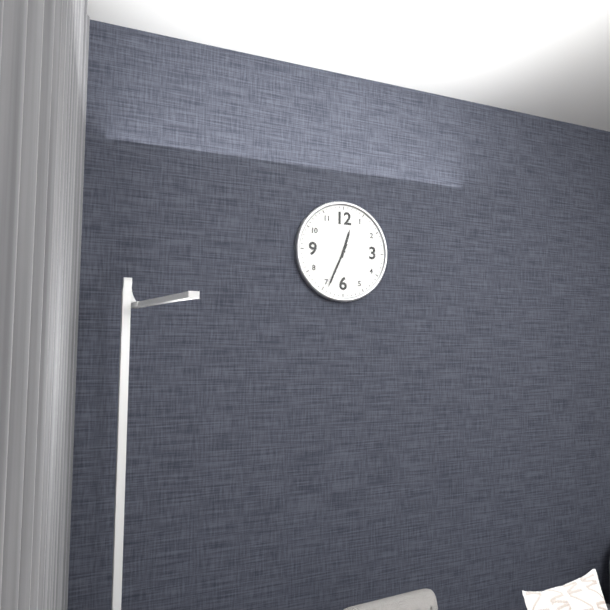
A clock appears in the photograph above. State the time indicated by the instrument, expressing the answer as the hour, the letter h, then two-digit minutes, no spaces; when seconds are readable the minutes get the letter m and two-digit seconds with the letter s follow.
12h34
